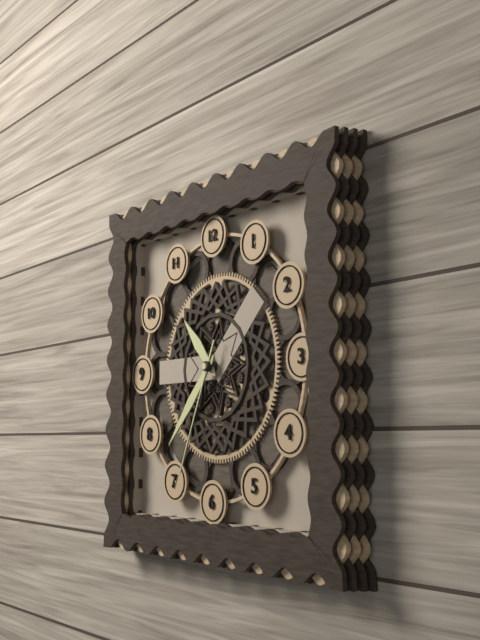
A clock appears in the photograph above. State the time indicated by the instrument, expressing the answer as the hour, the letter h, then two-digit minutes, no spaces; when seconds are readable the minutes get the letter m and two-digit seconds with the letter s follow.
10h37m34s
